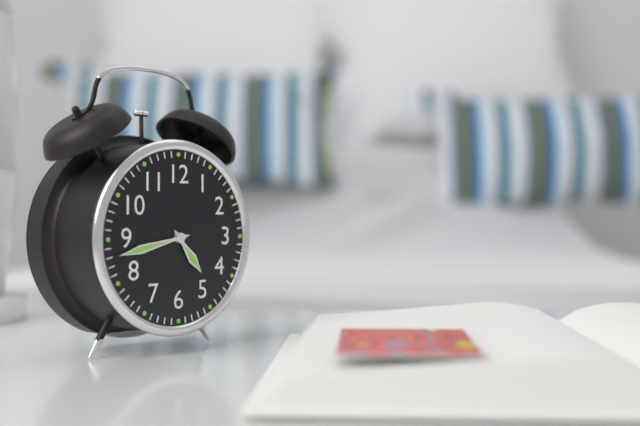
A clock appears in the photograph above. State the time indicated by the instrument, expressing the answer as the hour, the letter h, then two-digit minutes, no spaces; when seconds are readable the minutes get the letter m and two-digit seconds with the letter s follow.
4h43
